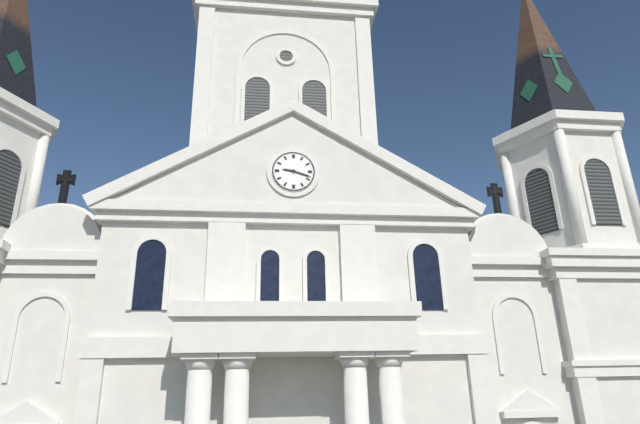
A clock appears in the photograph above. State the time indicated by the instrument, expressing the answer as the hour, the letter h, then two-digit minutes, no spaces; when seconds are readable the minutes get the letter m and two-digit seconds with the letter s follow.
9h18
